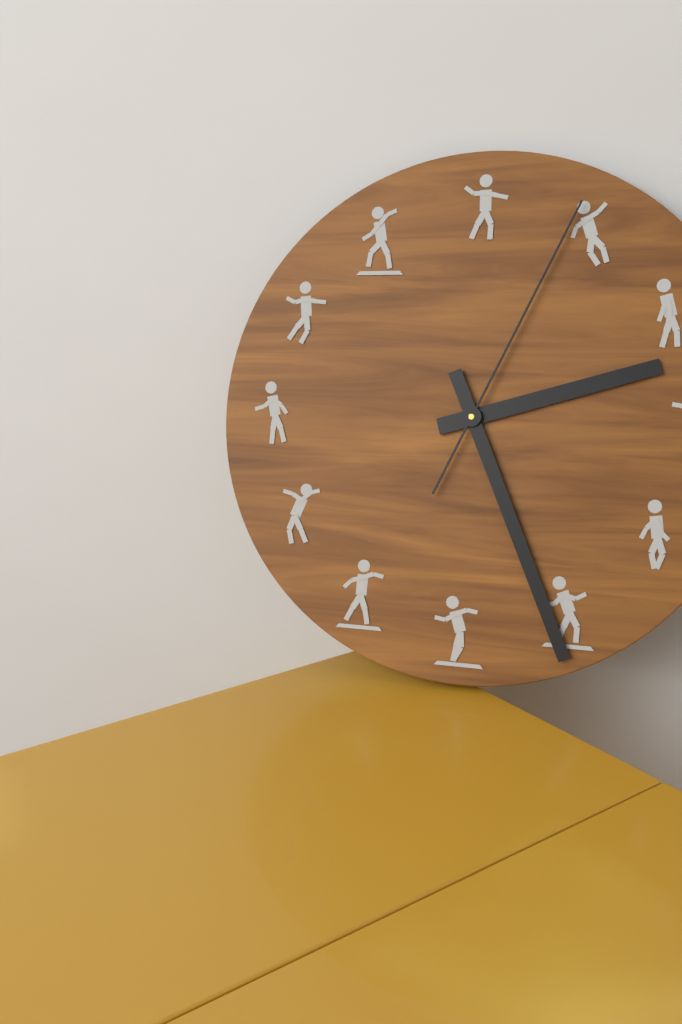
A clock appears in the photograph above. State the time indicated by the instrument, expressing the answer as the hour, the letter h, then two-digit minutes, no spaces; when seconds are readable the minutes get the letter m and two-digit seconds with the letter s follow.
2h26m04s
